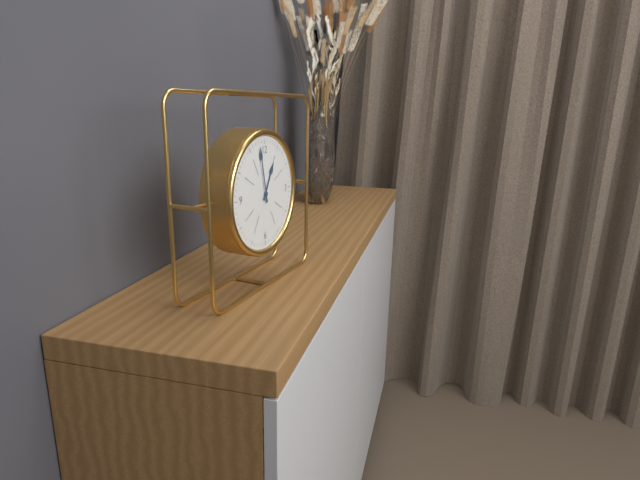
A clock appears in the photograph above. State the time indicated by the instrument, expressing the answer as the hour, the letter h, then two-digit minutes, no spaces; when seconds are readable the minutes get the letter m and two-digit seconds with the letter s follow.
12h58
